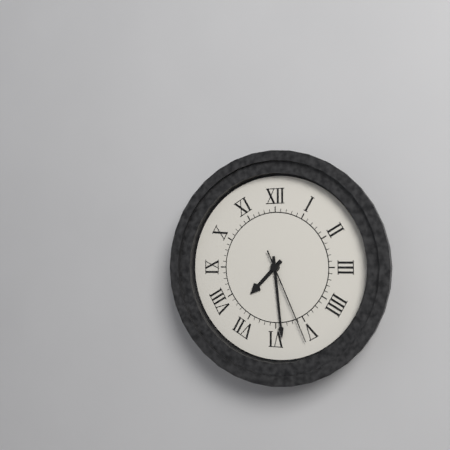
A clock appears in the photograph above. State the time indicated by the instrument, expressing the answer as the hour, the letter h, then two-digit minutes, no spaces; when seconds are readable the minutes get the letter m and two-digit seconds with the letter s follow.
7h29m26s
